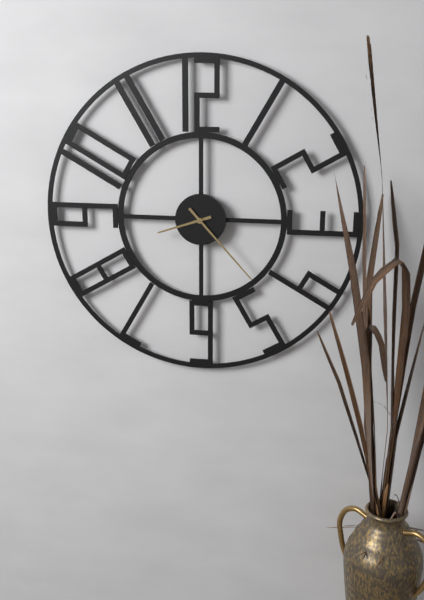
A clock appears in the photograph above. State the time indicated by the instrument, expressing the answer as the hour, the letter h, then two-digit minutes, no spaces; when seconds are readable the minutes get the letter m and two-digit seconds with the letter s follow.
8h23
